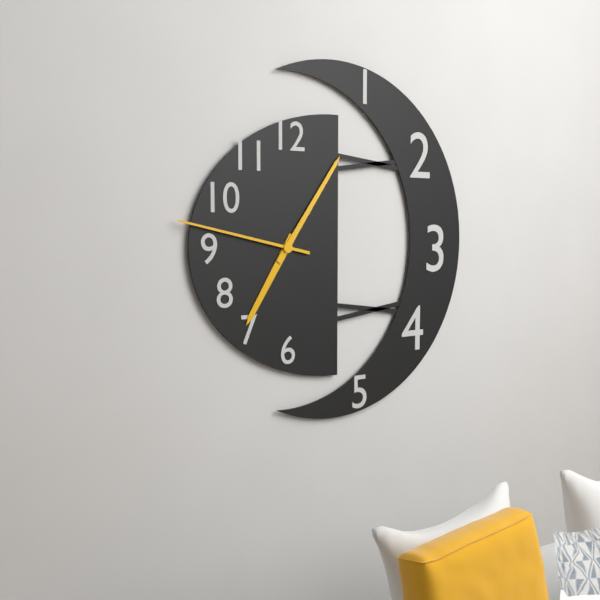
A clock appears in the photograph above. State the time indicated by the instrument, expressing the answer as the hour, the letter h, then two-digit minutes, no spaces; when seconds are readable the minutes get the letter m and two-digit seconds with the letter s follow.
7h06m47s
